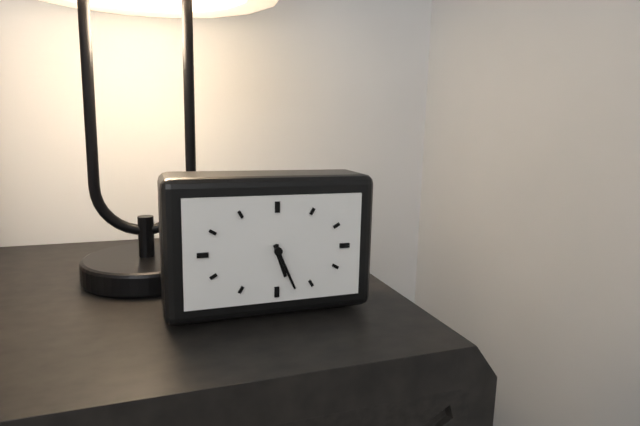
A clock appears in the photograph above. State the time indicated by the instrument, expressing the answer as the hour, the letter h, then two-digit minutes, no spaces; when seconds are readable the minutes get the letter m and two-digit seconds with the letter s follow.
5h26
